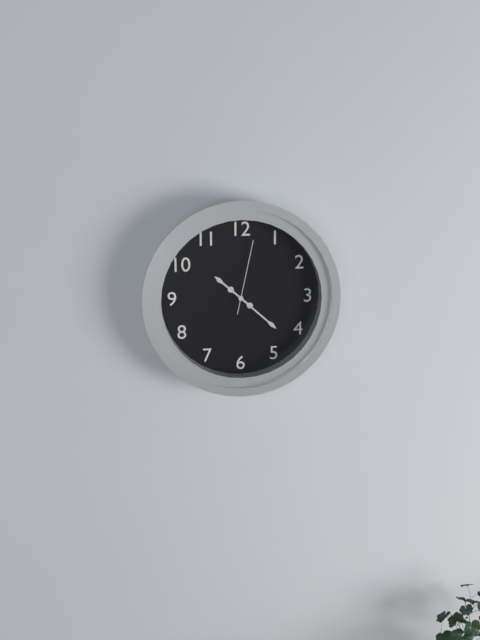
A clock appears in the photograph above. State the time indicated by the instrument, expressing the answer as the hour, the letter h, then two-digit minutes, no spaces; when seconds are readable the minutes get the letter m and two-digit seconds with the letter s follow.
10h22m02s
